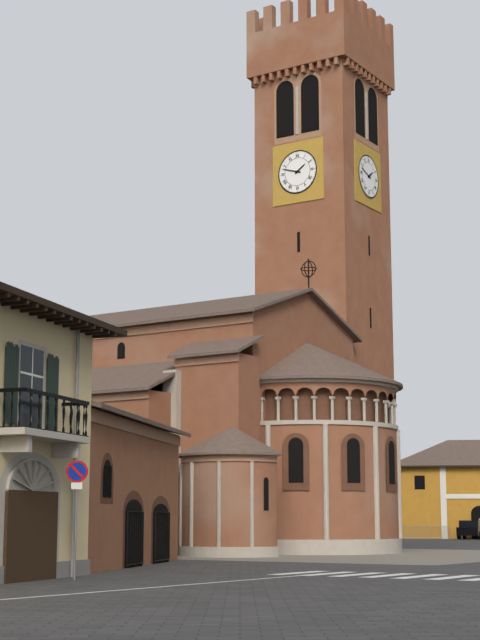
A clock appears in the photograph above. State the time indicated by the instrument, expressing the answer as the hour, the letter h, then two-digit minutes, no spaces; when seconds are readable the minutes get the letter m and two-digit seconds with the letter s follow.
1h48
